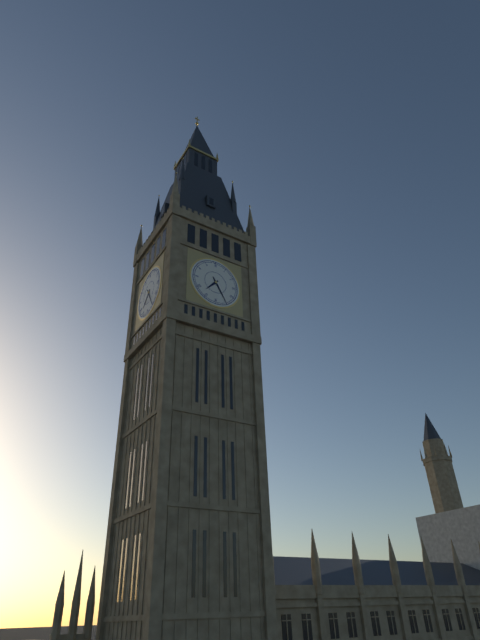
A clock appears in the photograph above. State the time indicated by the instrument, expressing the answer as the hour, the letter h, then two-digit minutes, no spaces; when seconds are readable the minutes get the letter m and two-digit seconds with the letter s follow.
7h25
